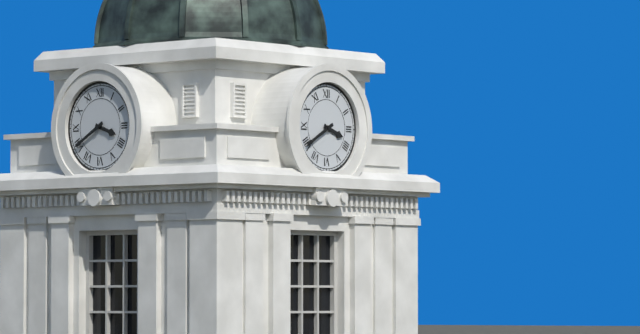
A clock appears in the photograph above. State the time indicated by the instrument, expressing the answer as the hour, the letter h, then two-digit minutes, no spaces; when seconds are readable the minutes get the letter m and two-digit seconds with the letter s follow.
3h40
